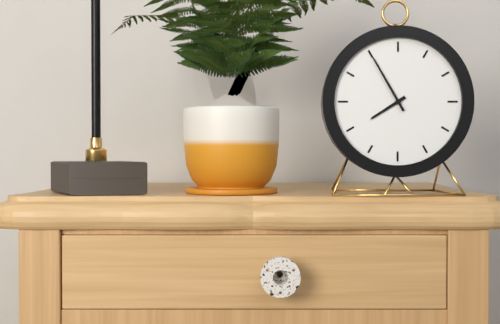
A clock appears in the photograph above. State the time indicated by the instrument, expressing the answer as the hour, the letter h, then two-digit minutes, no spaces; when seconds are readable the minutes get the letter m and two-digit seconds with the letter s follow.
7h55
